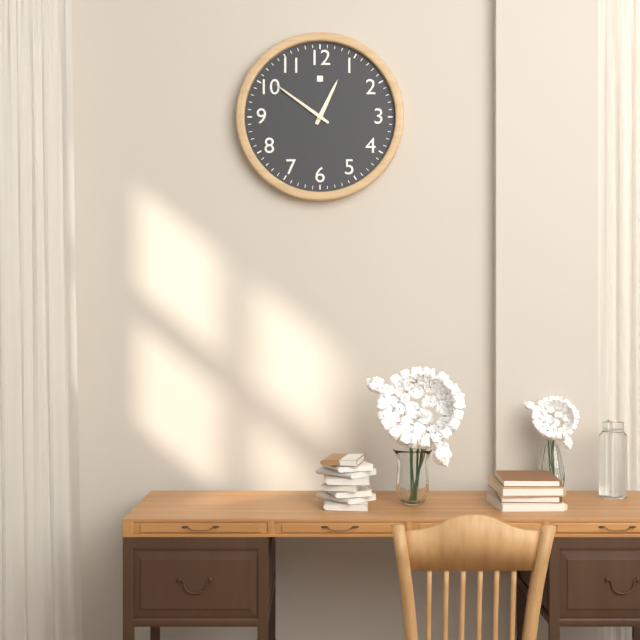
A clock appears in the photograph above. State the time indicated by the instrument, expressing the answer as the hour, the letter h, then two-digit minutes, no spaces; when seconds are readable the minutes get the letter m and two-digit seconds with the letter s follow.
12h51
